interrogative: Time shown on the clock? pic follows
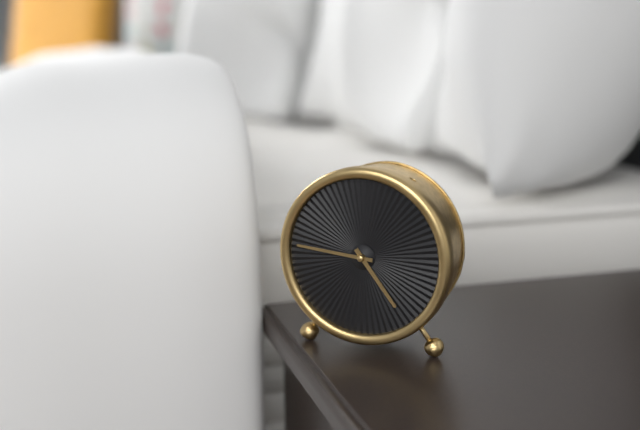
4:46
